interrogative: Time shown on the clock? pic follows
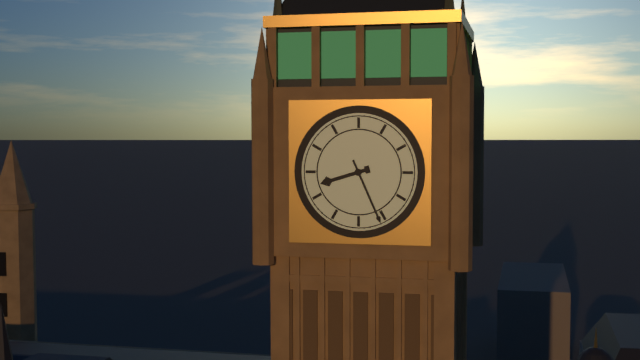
8:26
